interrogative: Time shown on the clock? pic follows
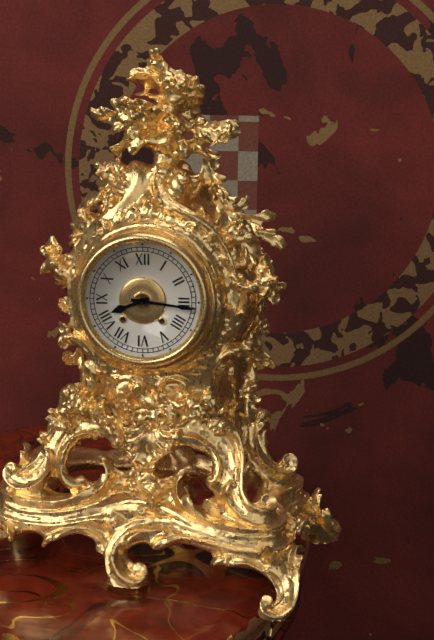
8:16
